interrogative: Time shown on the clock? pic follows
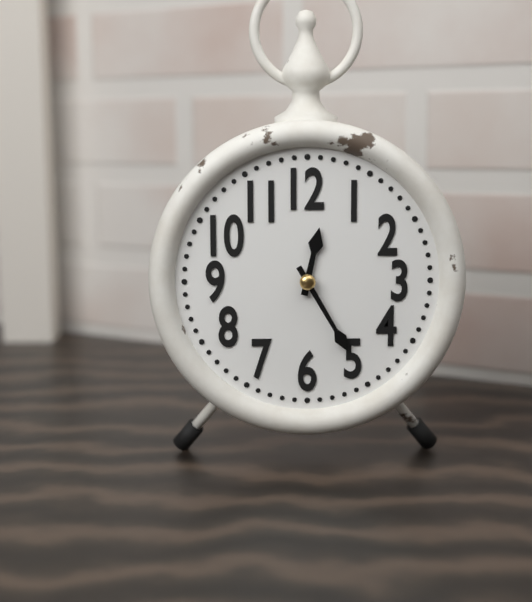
12:25
